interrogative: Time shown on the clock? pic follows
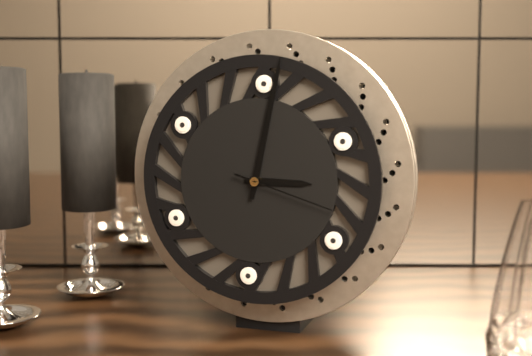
3:02:18
